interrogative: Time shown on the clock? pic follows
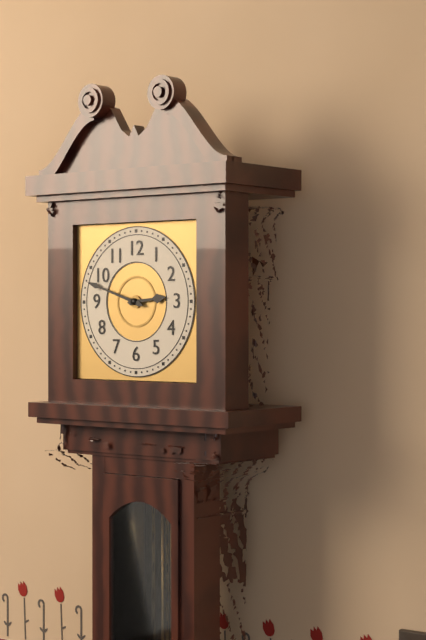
2:48
